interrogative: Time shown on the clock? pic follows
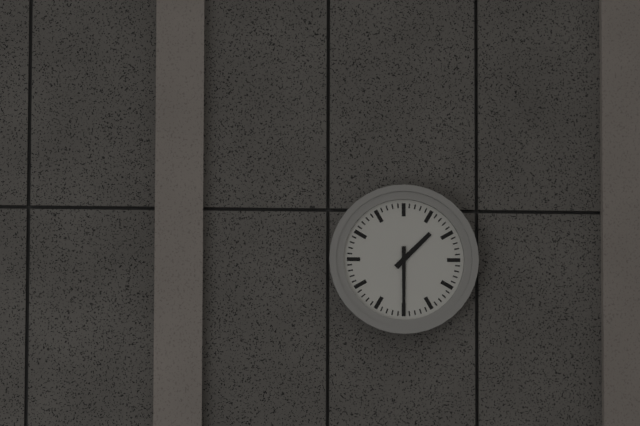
1:30
